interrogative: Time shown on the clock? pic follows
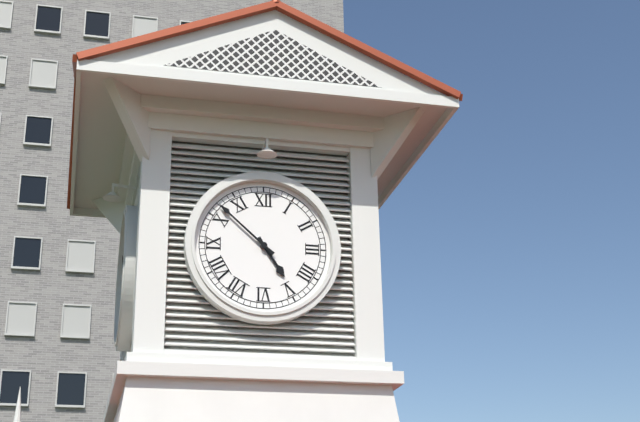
4:52
